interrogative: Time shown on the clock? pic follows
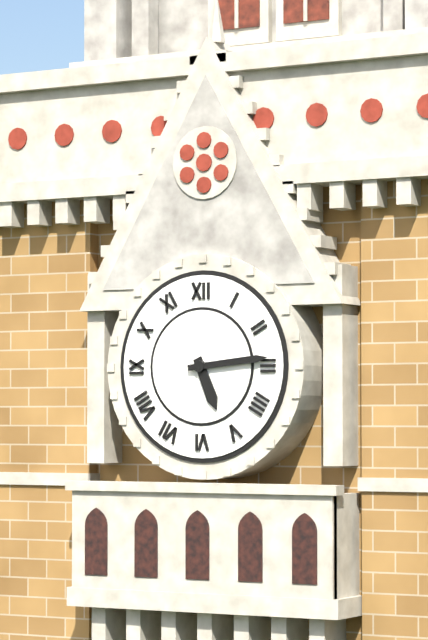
5:14
